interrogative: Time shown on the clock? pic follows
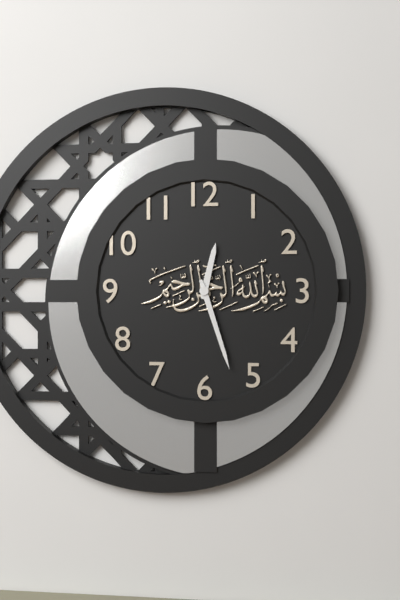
12:27
